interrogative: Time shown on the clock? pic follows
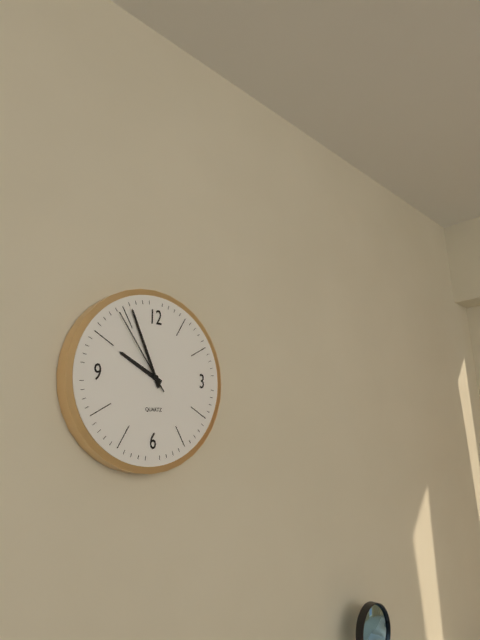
9:56:54
